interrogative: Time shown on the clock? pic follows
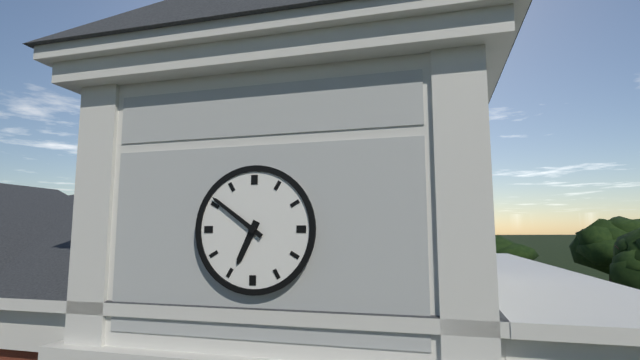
6:51
